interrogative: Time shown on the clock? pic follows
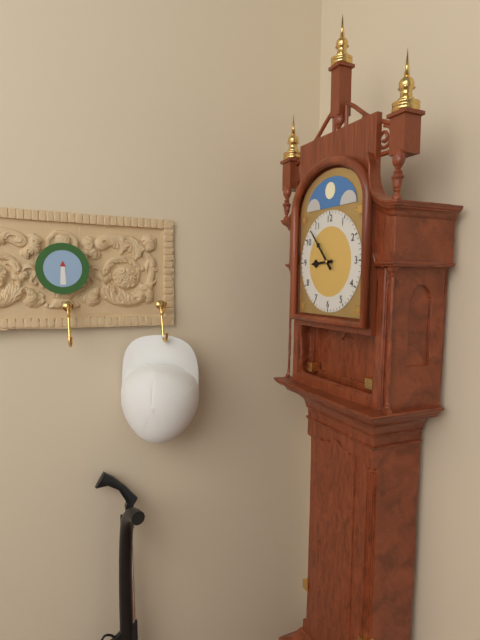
8:53
